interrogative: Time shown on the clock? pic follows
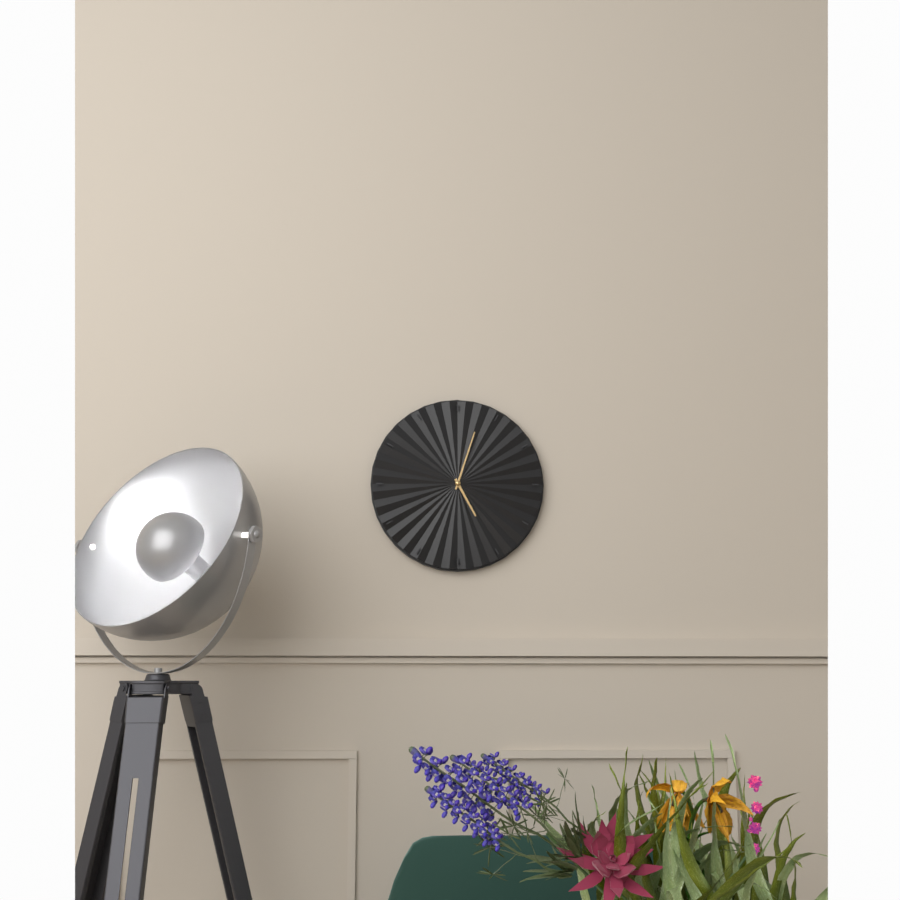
5:03
